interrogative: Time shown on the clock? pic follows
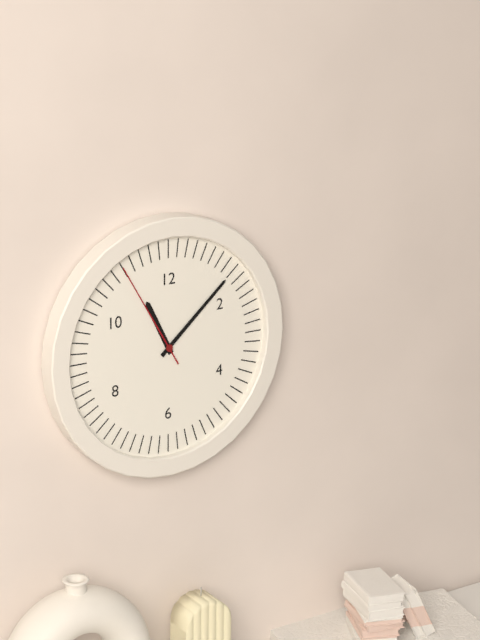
11:08:55
